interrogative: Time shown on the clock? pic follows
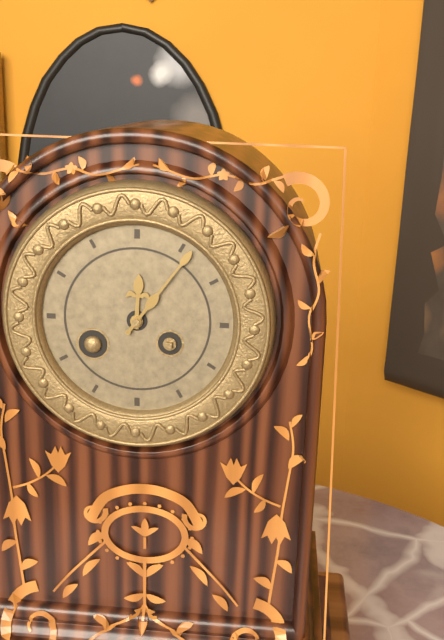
12:06
